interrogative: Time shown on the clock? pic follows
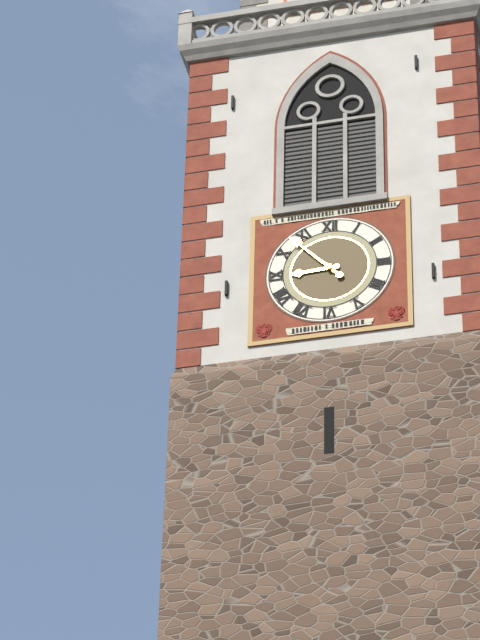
8:53
